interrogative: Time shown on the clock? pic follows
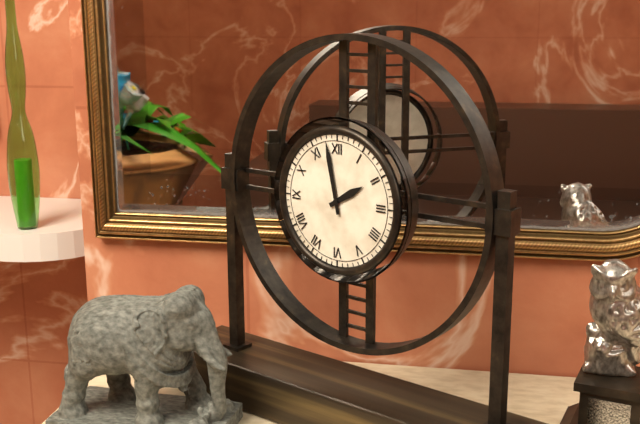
1:58
